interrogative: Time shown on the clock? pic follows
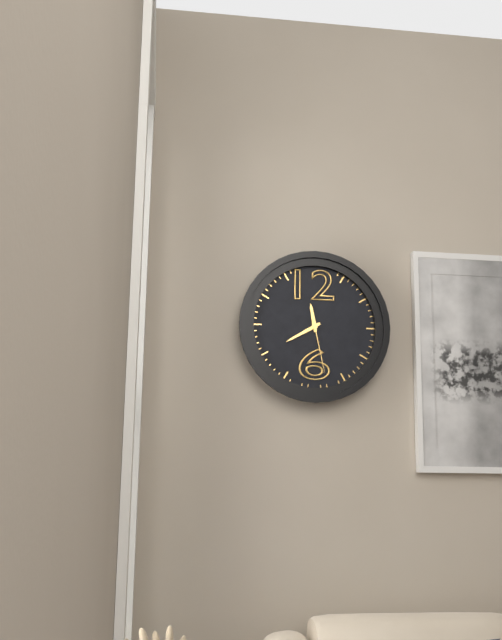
11:40:28
